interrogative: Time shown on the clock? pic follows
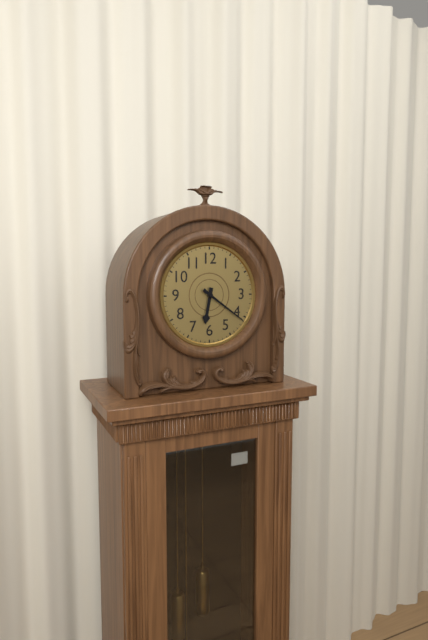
6:21
